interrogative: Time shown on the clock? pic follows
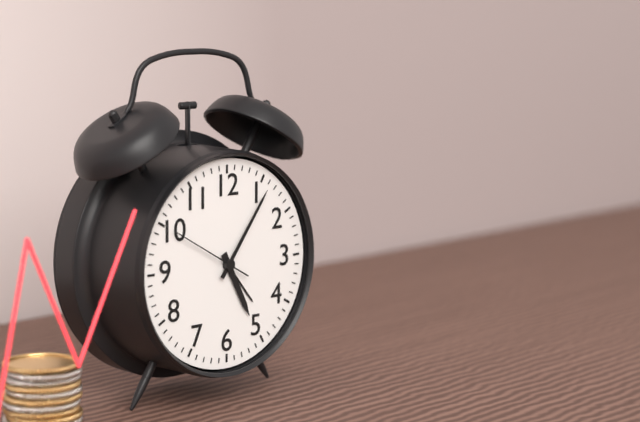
5:06:50
